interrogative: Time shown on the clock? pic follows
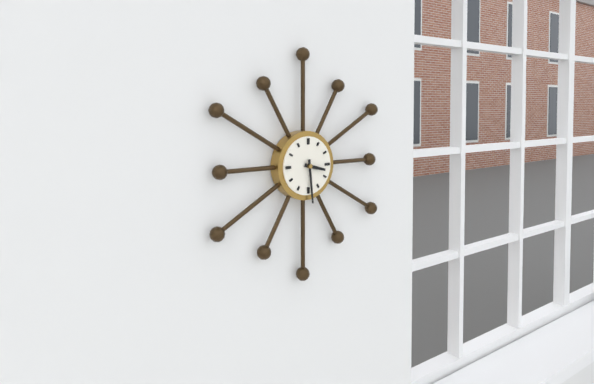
3:29
